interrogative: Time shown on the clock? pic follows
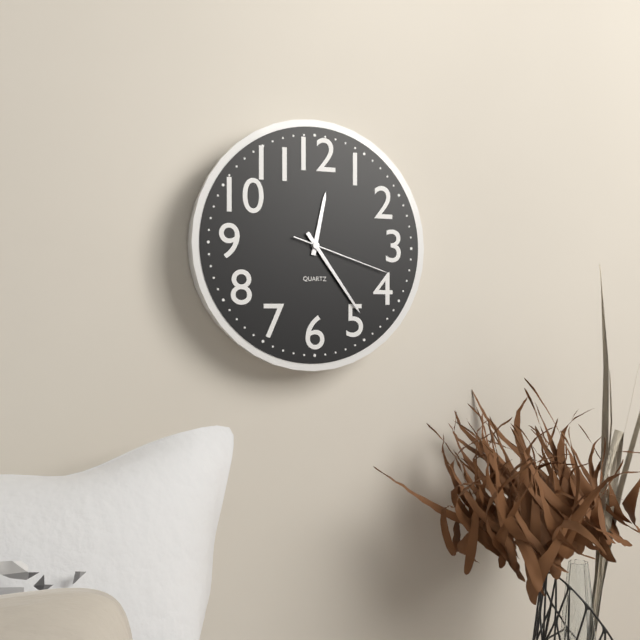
12:24:18
